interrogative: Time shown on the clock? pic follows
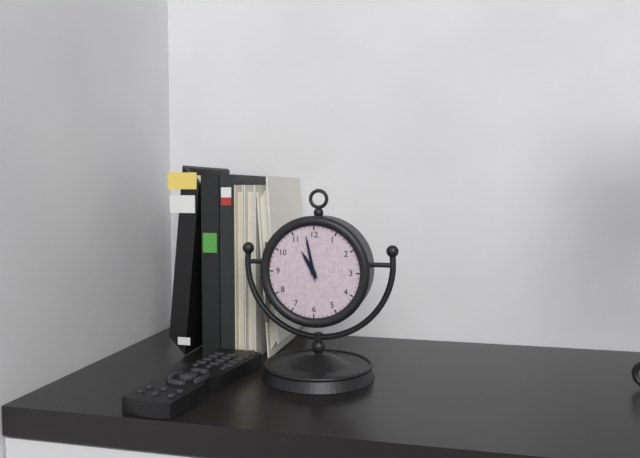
10:58
